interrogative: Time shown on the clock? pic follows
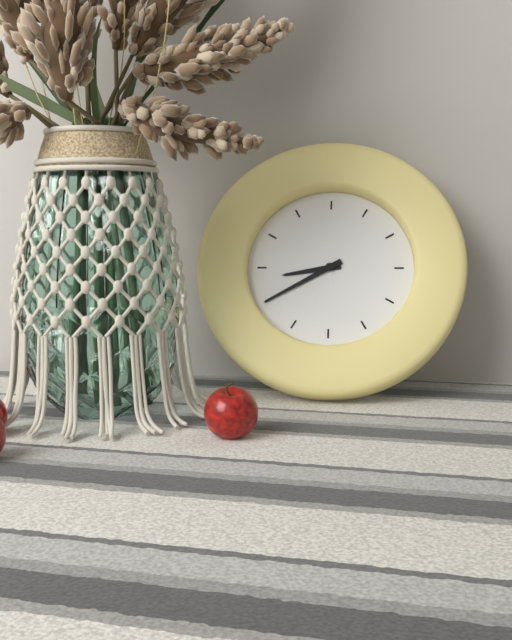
8:40
